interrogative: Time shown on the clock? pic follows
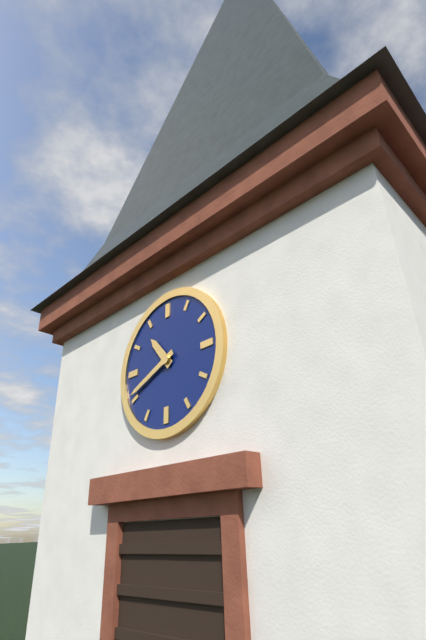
10:41
